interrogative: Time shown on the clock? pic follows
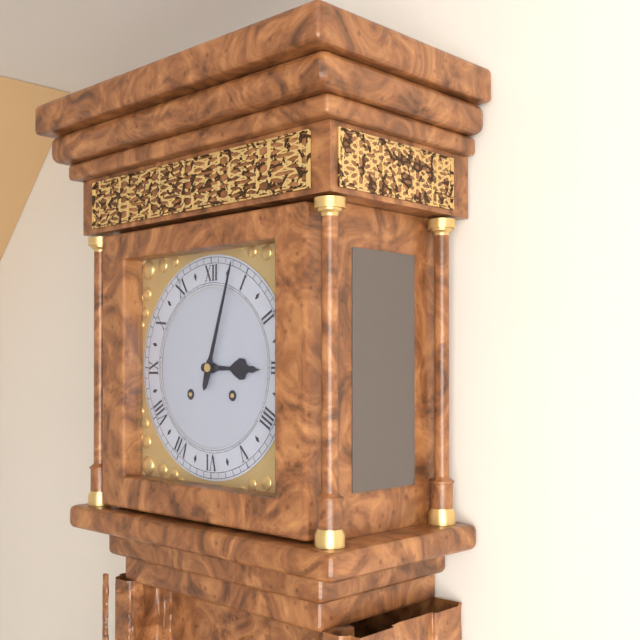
3:03
